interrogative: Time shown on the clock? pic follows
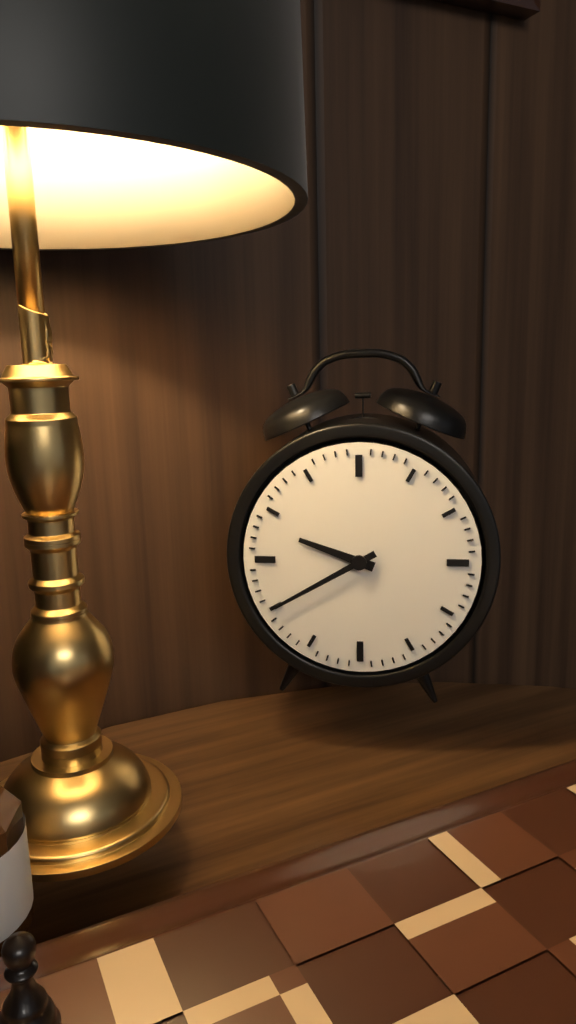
9:40
